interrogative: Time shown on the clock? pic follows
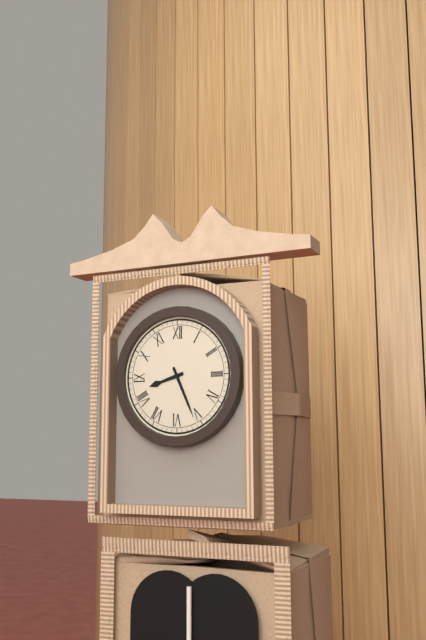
8:26
